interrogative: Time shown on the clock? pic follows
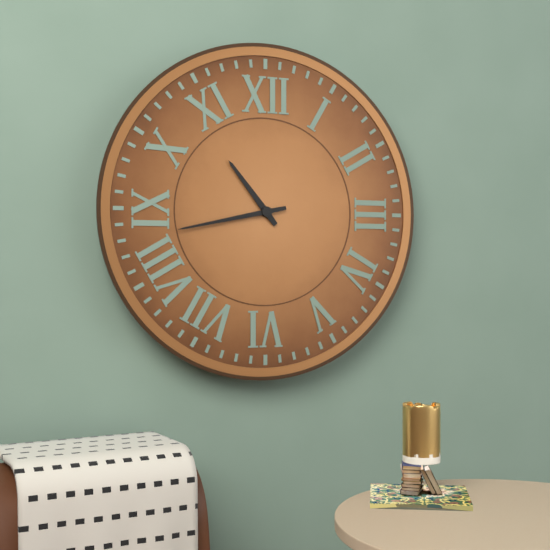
10:43
